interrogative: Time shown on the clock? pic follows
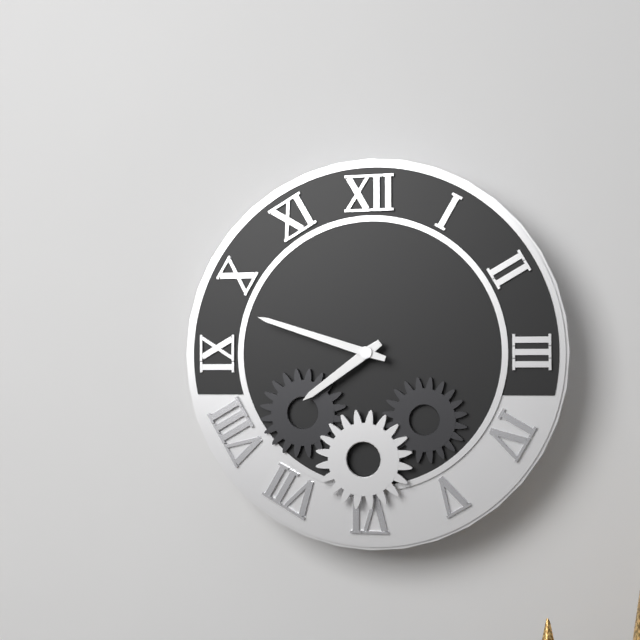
7:48
